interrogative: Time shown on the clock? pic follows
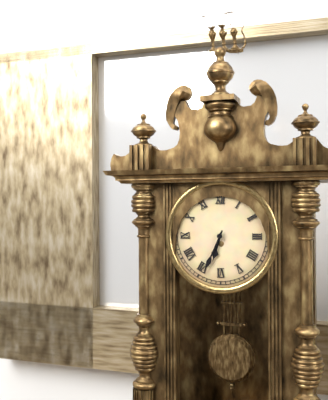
6:34
